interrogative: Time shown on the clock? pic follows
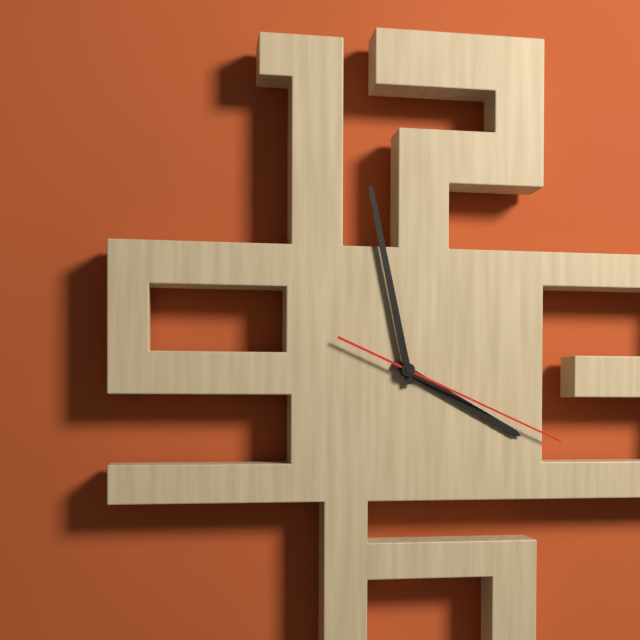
3:58:19
